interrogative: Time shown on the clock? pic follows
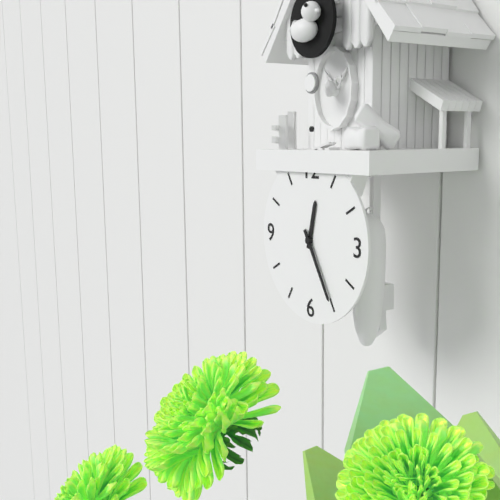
12:25
